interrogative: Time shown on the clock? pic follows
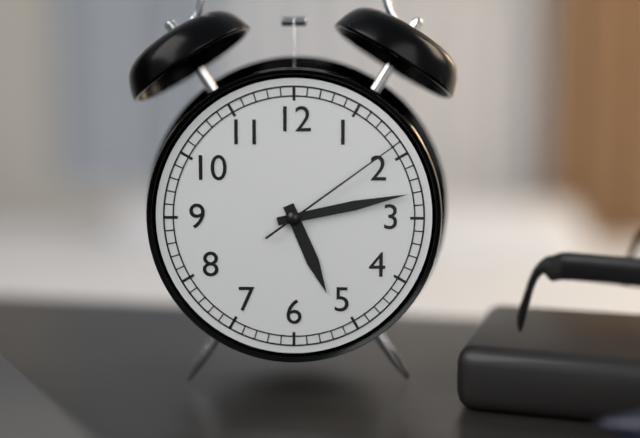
5:13:09
